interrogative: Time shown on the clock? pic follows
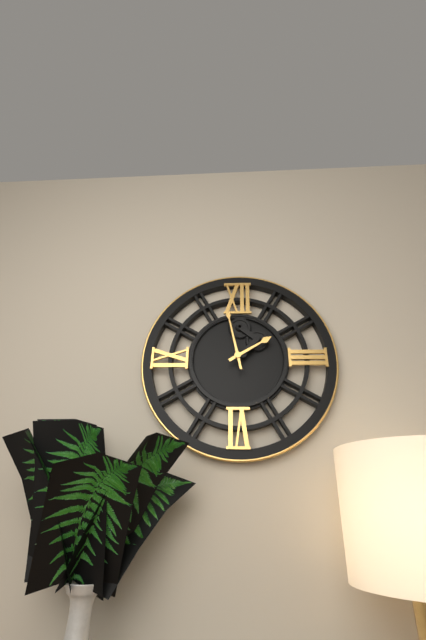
1:58
